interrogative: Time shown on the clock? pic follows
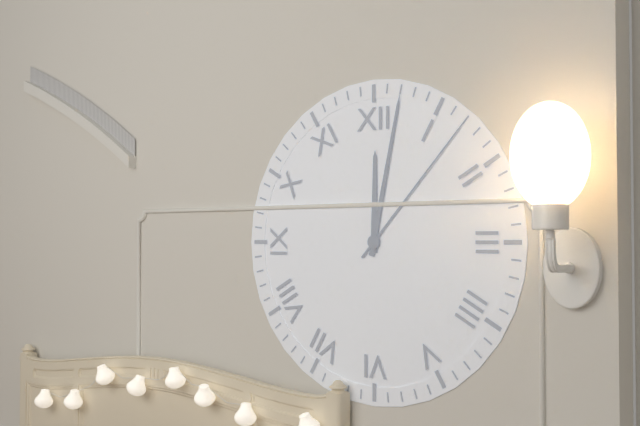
12:02:07
